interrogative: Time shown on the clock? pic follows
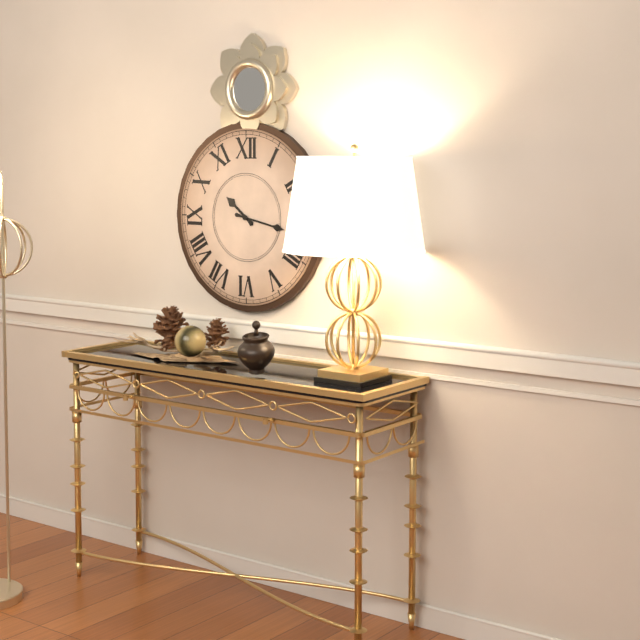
10:17
